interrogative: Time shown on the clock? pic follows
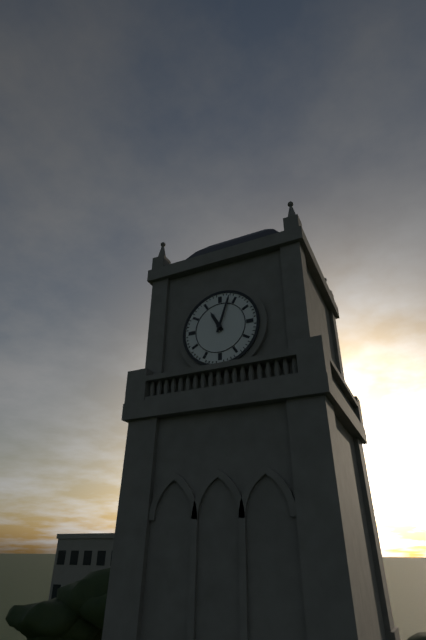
11:03
